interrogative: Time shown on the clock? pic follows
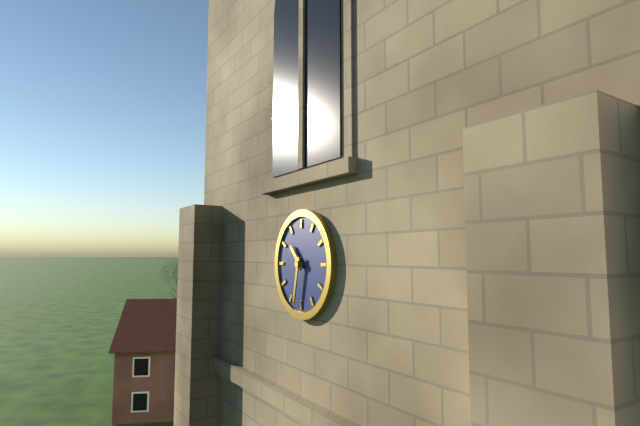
10:32
